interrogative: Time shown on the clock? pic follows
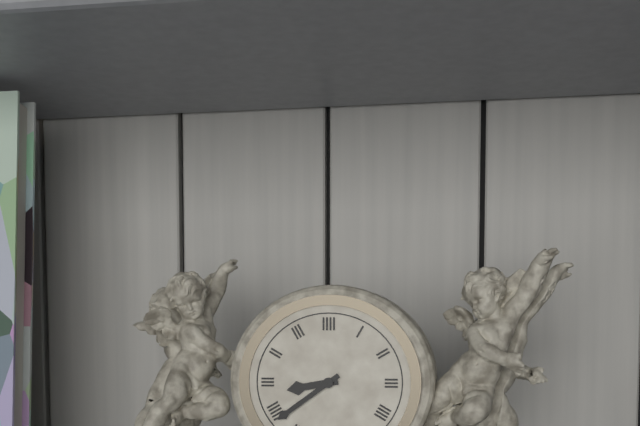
8:39
